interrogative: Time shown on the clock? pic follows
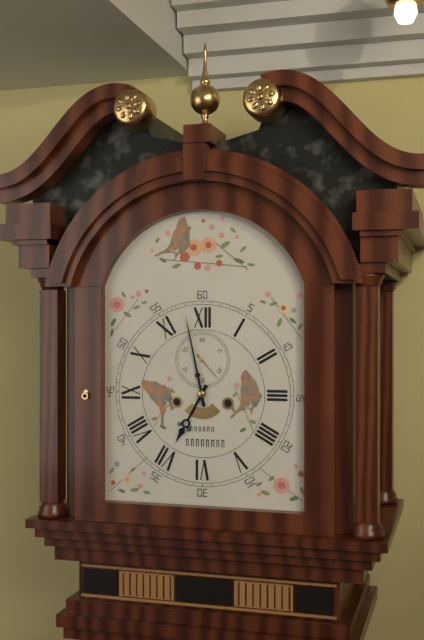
6:58
